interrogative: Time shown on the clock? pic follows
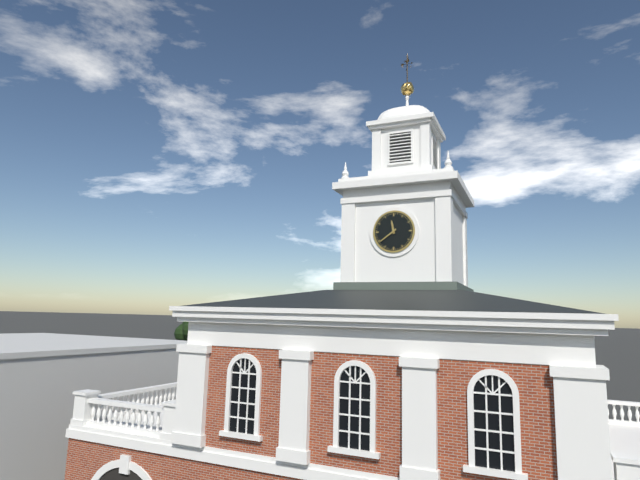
11:39
